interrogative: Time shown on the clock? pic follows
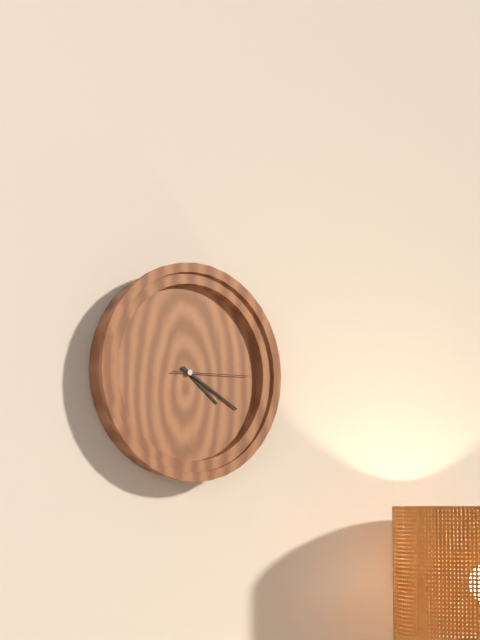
4:20:15
